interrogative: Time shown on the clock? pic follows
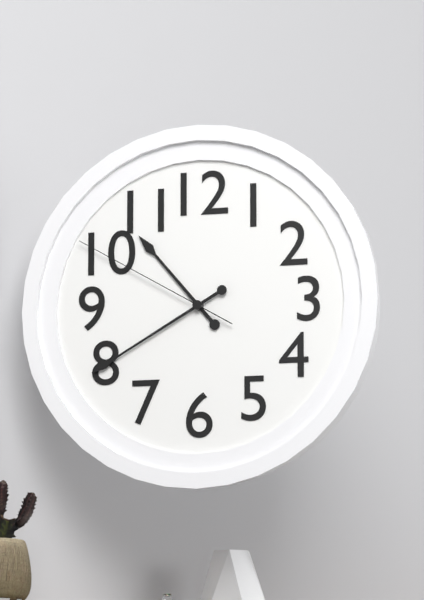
10:40:50
